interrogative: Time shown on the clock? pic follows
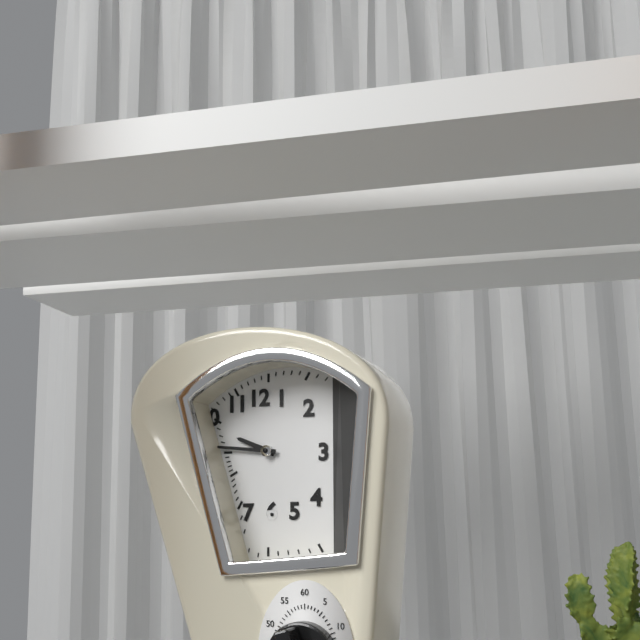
9:46
